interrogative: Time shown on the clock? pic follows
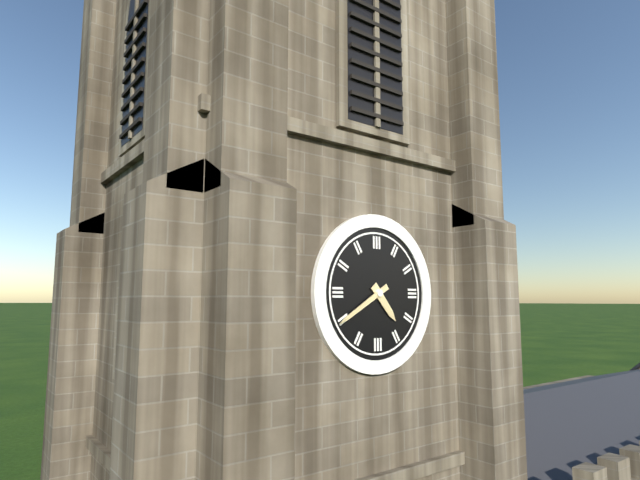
4:40
